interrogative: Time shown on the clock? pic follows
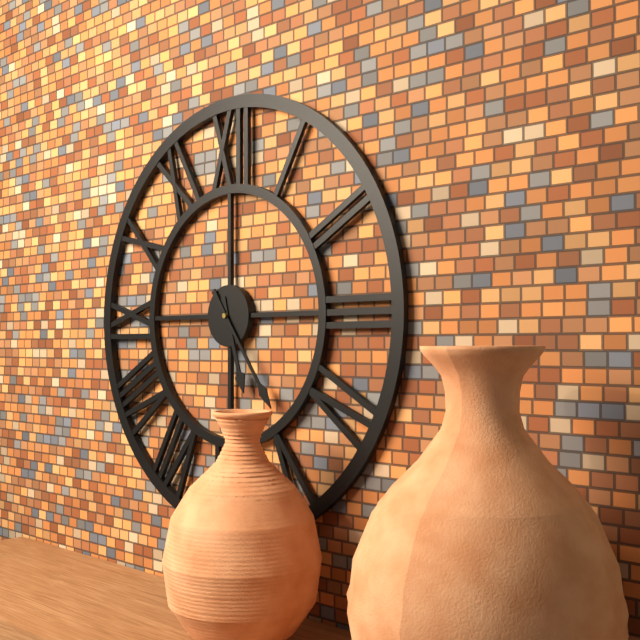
5:24
